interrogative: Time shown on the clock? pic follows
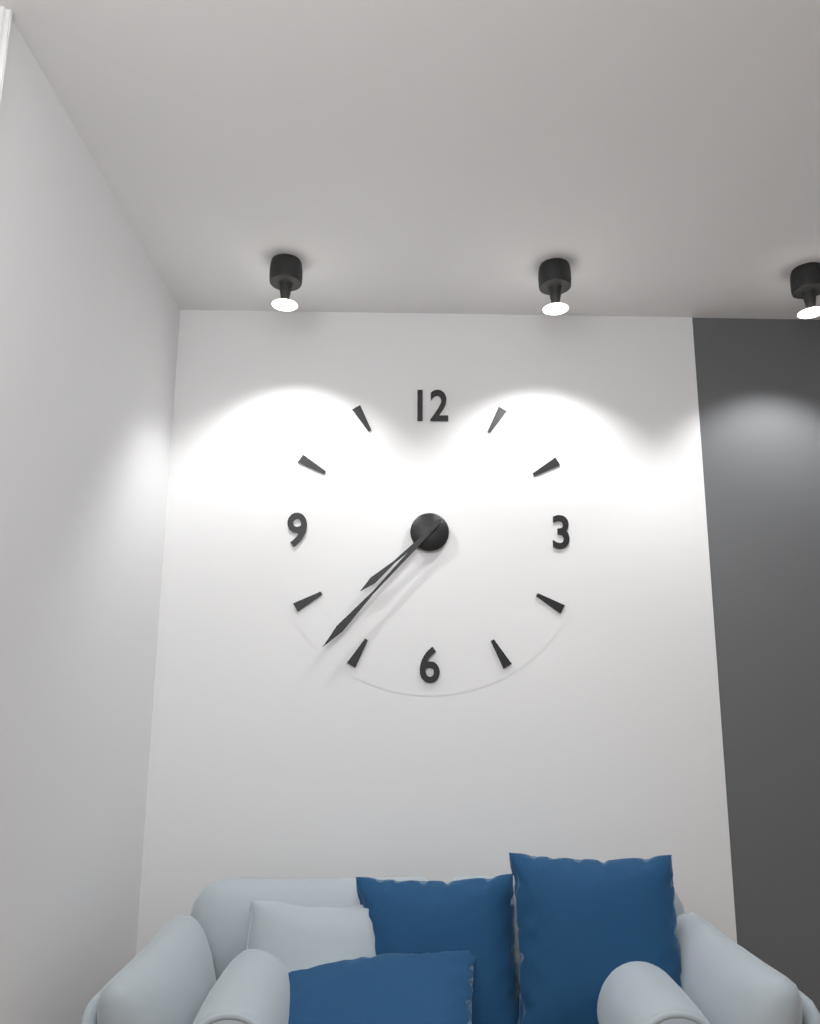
7:37
